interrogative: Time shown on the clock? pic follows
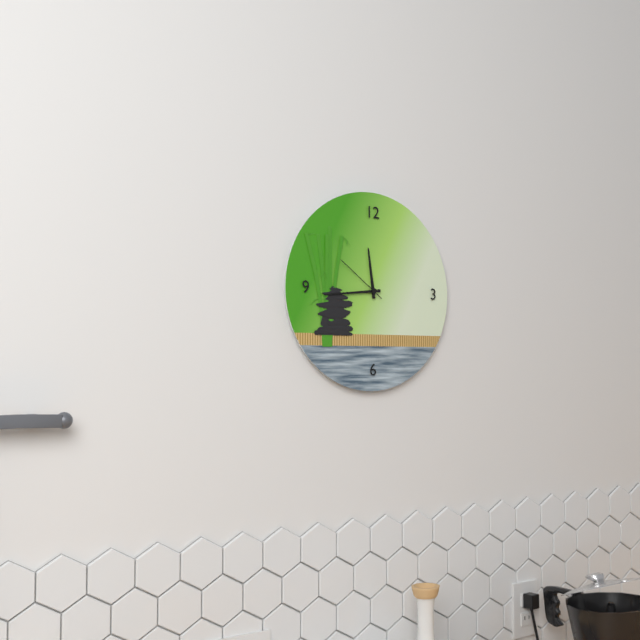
11:44:51
